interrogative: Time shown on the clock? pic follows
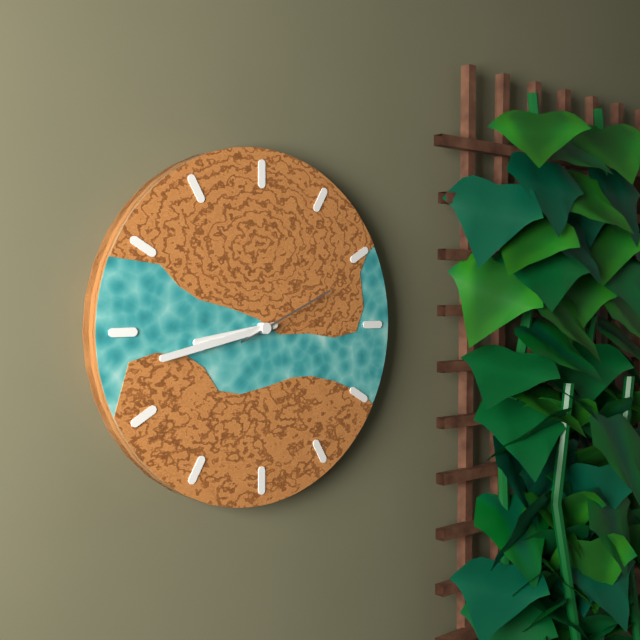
8:43:11
